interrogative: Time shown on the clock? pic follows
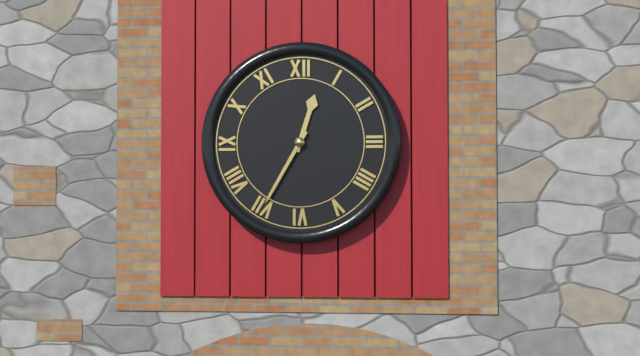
12:35
